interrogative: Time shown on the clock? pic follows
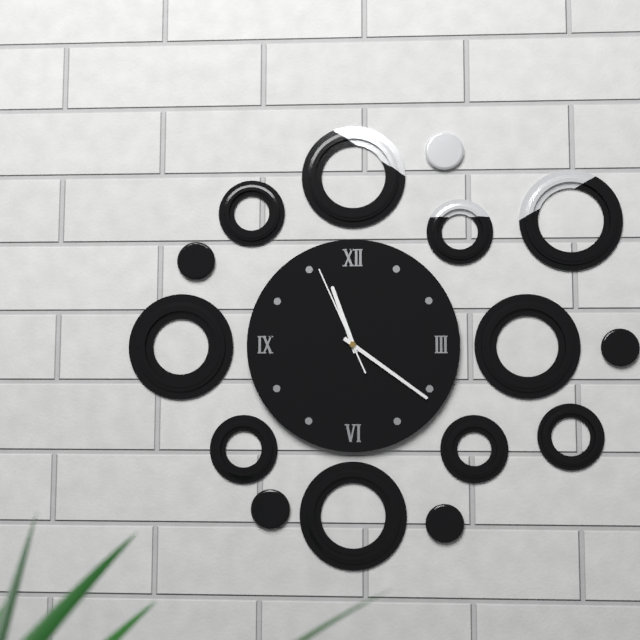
11:21:56
